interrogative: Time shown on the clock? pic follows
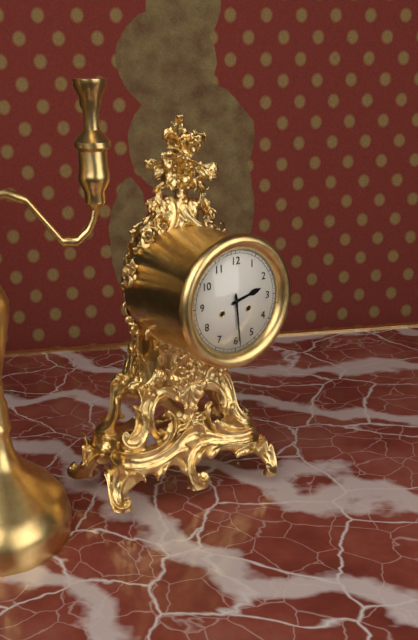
2:29
